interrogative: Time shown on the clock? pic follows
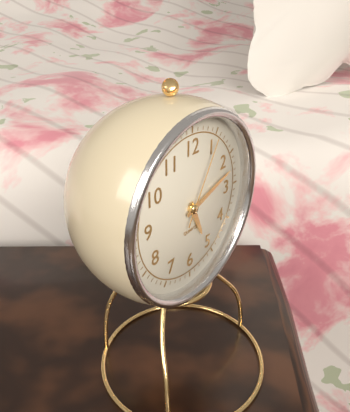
5:12:05
